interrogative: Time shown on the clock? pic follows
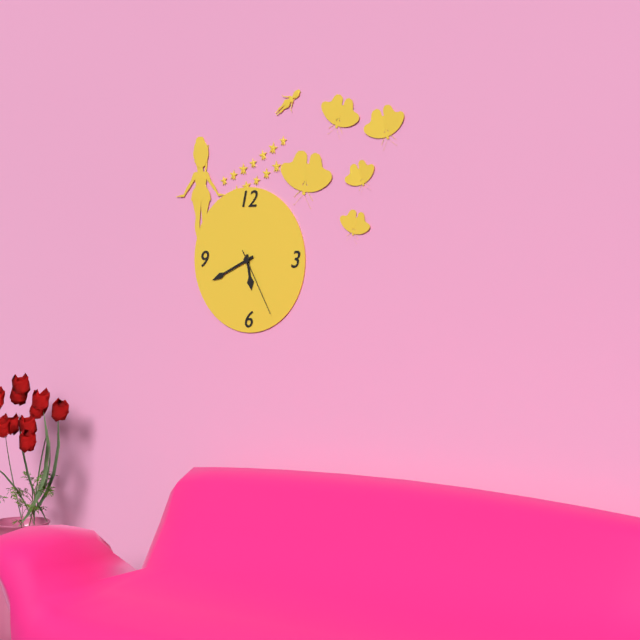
5:41:25
